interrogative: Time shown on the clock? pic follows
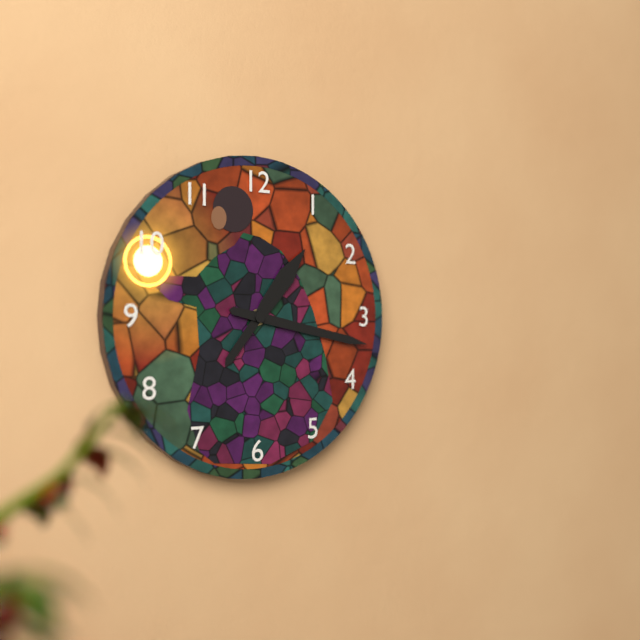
1:17
